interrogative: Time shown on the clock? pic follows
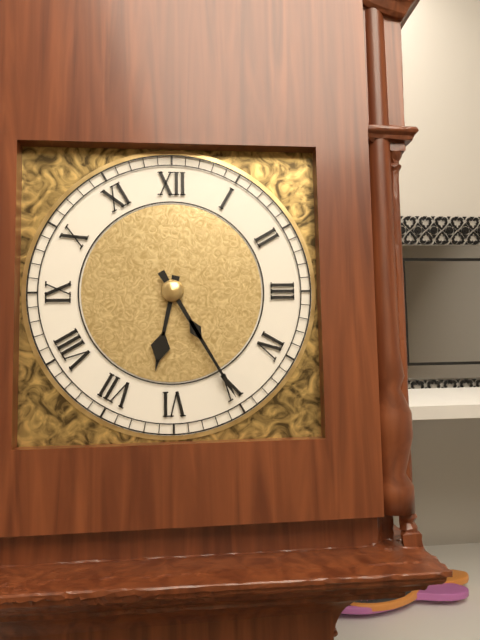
6:25
